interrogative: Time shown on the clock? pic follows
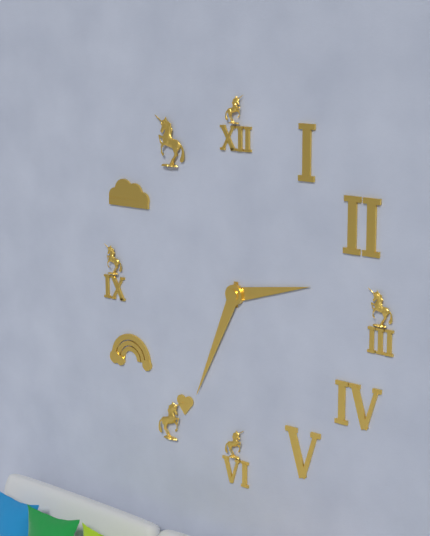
2:34
